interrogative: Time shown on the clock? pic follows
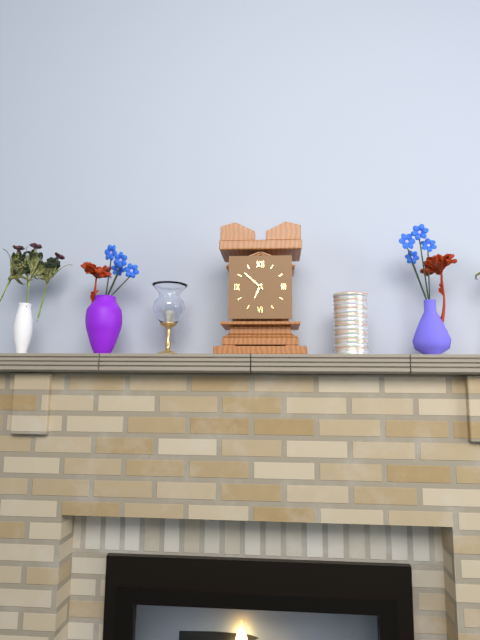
6:52
